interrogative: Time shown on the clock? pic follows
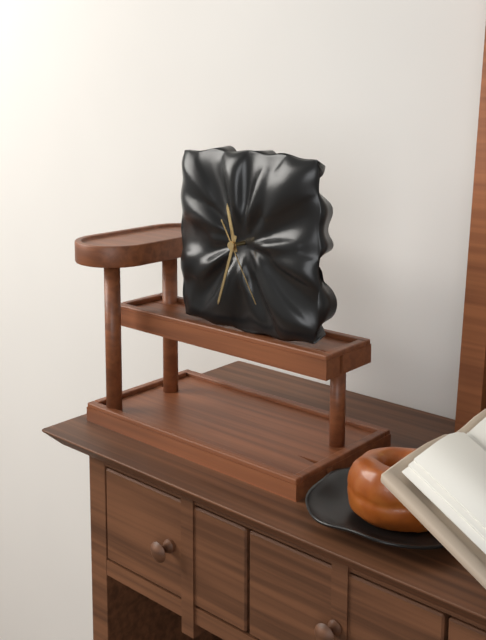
11:33:25
